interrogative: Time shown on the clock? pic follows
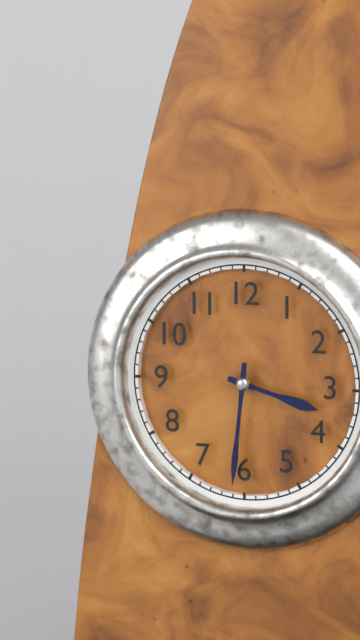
3:31
